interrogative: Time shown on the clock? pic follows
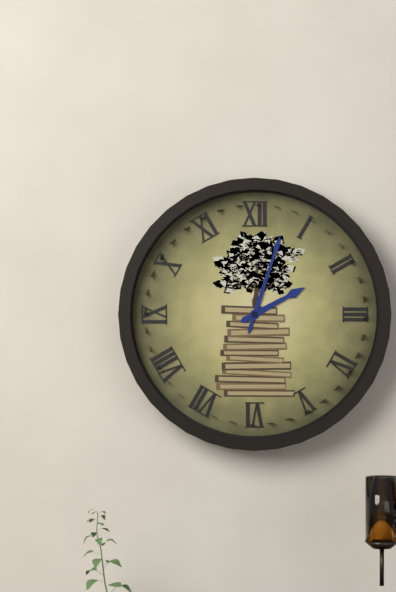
2:03
